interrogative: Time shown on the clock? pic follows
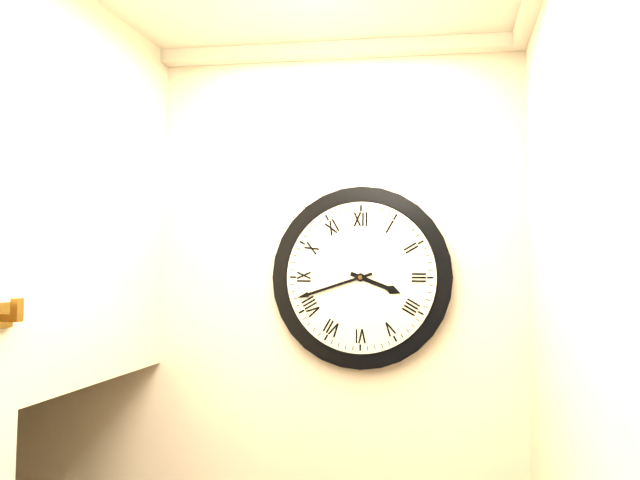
3:42
